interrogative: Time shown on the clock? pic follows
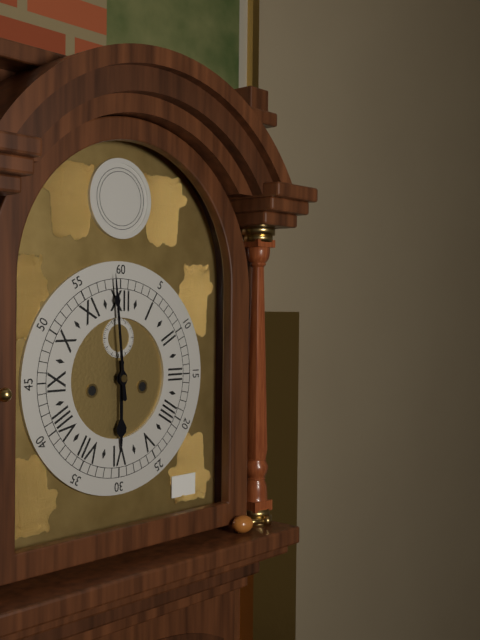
5:59
